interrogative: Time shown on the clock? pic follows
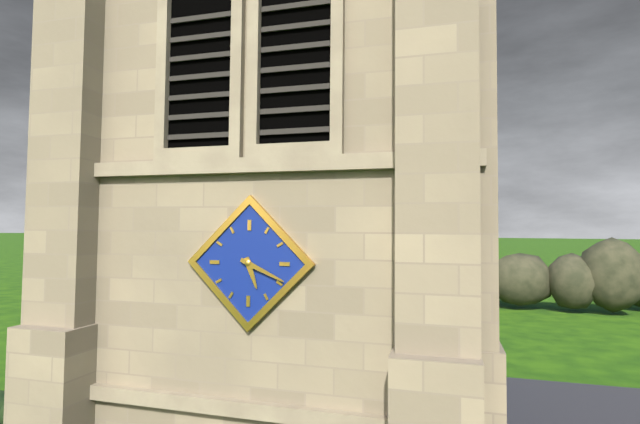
5:19
